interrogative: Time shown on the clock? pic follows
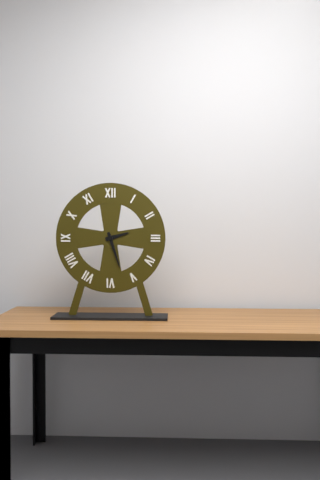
2:27
